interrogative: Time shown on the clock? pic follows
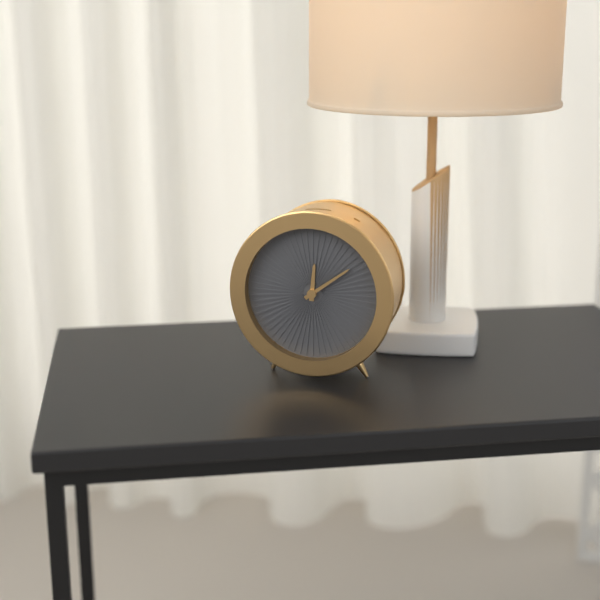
12:09
